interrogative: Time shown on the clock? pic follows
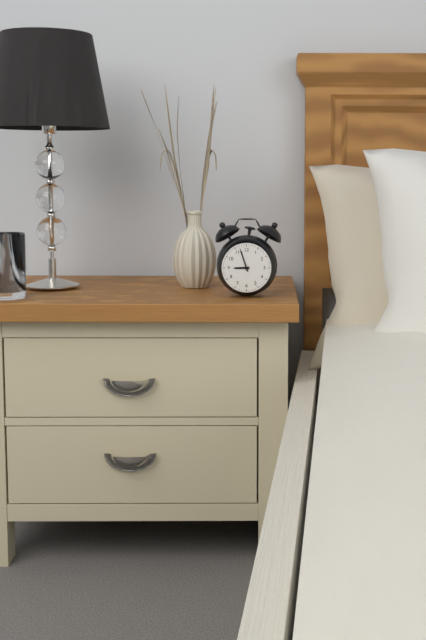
8:57
